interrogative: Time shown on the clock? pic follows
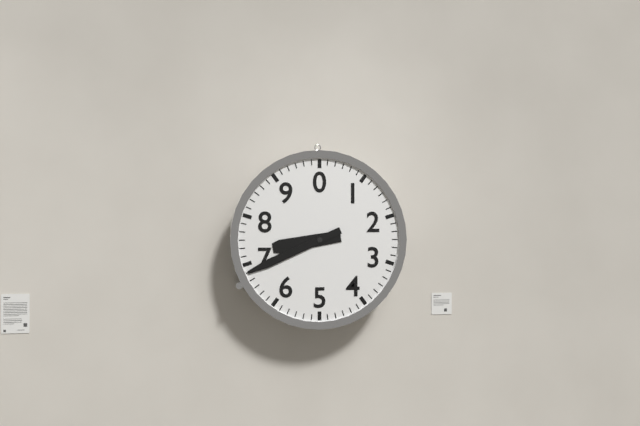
8:41
